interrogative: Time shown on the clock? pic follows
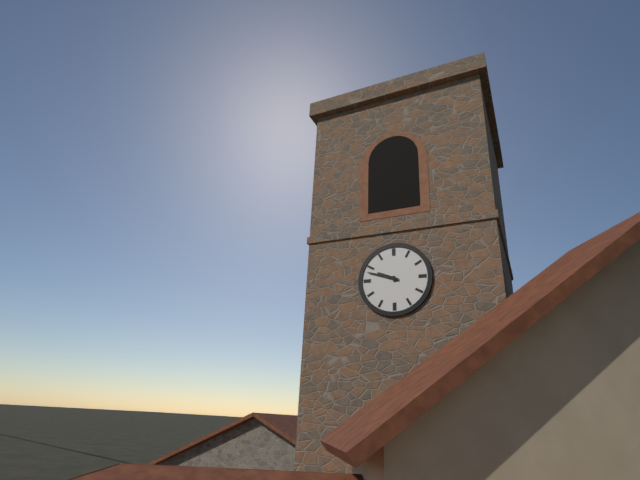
9:48
